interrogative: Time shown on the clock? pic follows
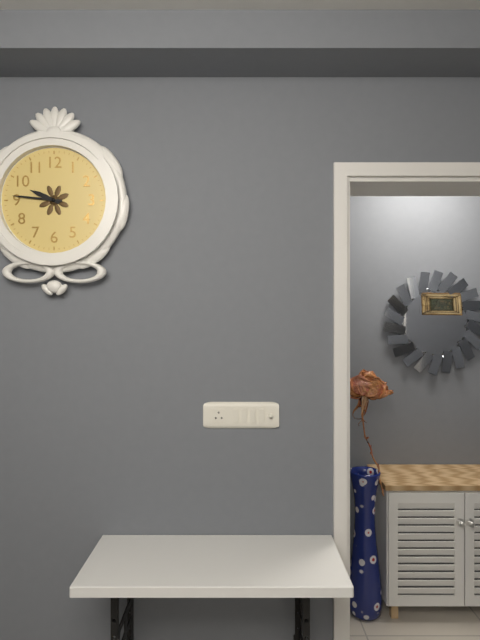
9:46
